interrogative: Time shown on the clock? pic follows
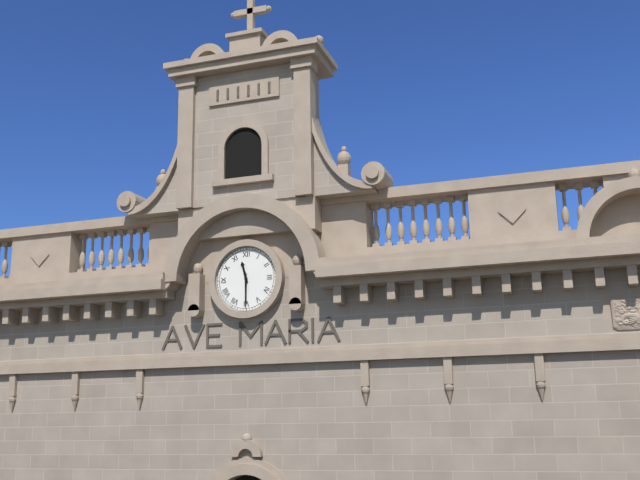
11:30
